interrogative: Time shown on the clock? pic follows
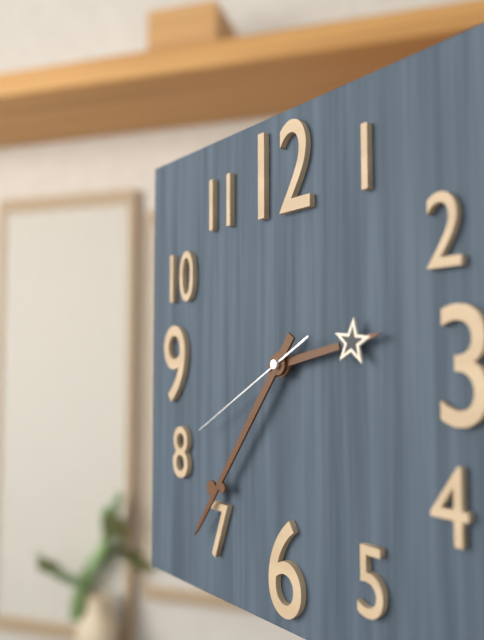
2:36:40
